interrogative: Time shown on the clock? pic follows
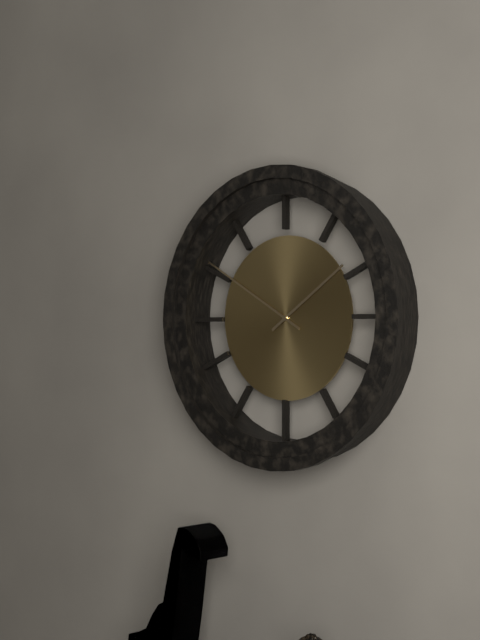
1:50
